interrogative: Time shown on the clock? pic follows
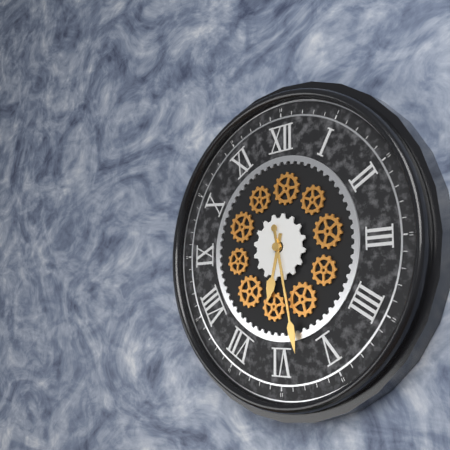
6:28
